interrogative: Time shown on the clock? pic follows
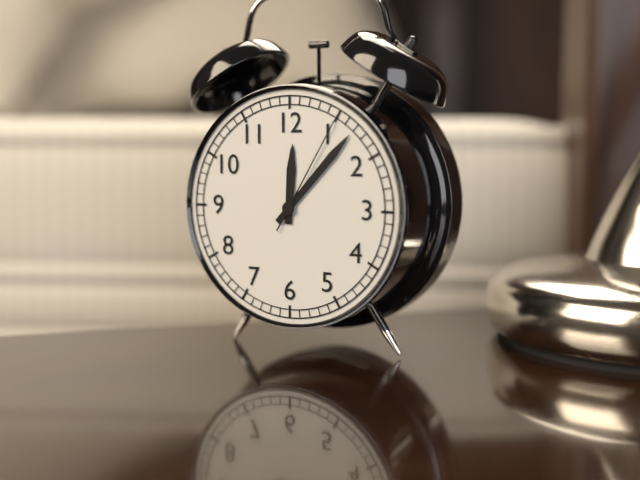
12:07:05
